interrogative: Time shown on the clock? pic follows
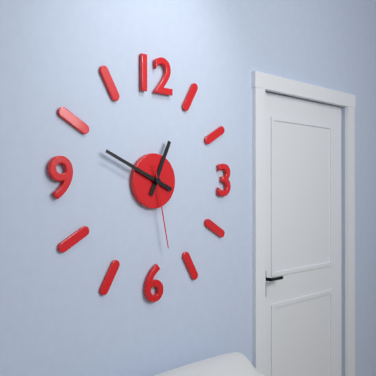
12:49:28
